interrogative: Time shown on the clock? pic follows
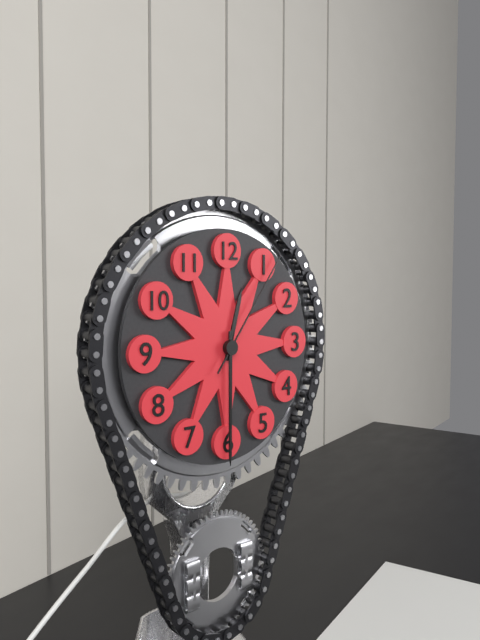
12:30:06
